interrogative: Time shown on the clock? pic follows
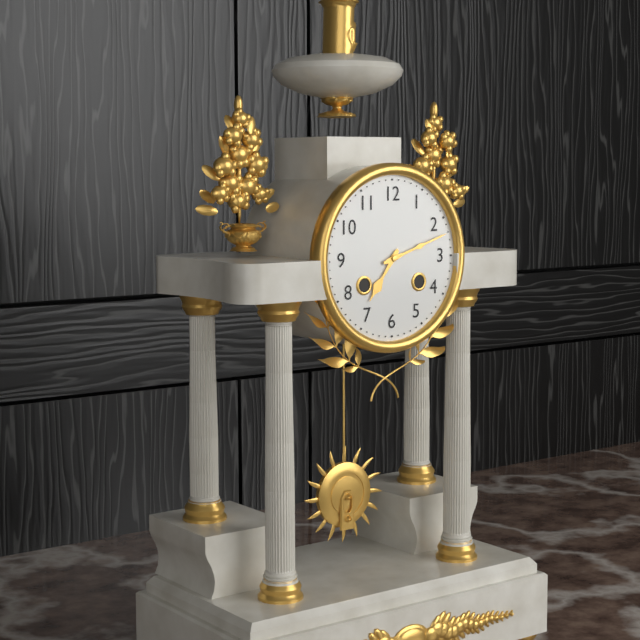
7:12
